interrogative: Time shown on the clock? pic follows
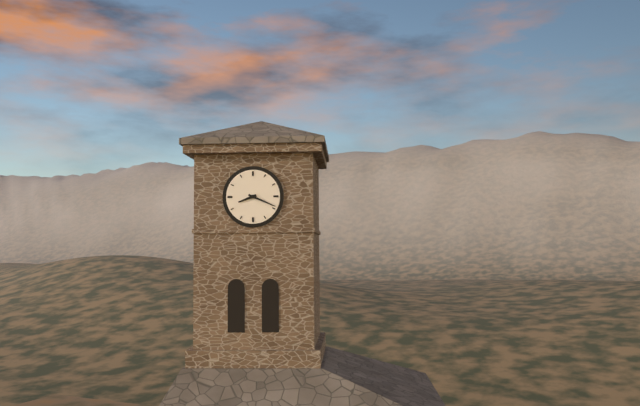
8:19
